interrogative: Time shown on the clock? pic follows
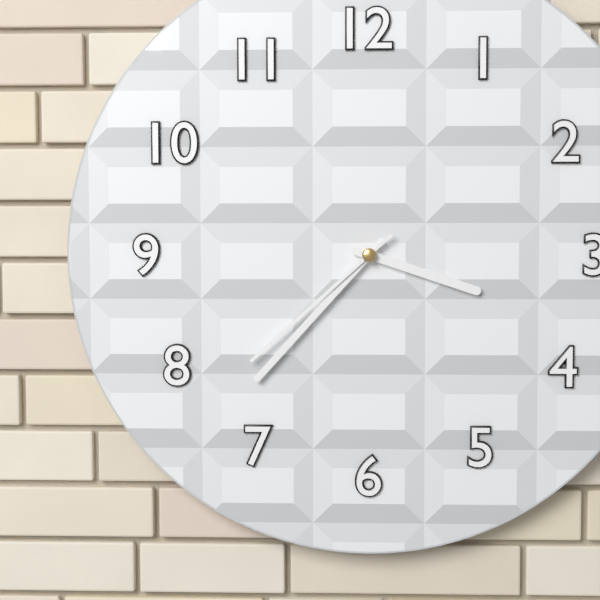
3:37:38
